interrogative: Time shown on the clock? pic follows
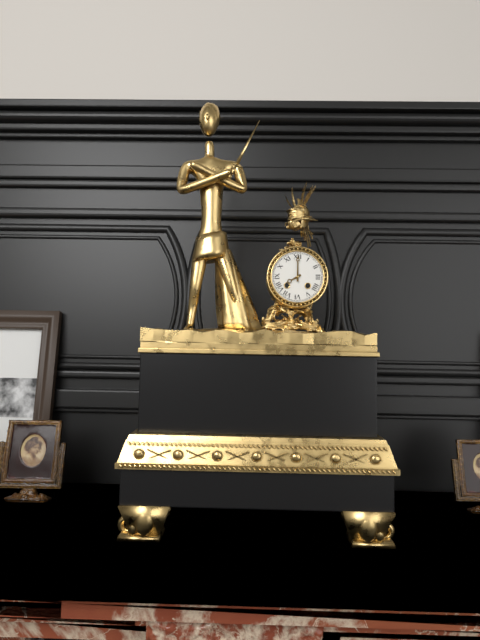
8:00
